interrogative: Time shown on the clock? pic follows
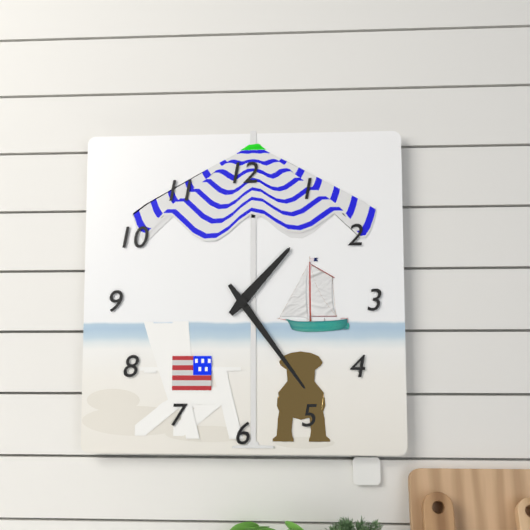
1:24
